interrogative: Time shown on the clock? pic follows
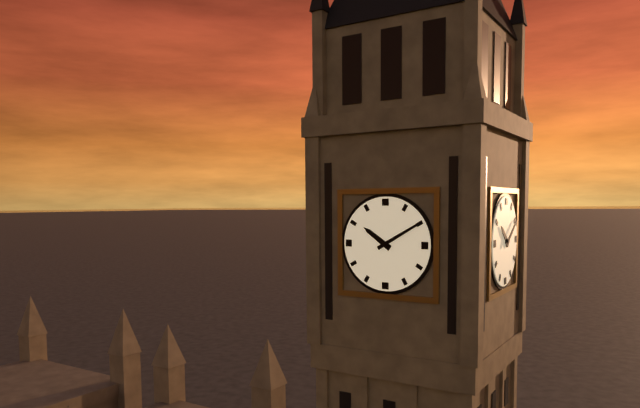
10:10
